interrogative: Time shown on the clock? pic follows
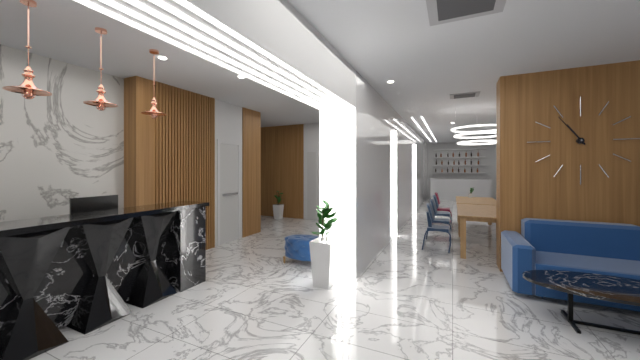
10:54
